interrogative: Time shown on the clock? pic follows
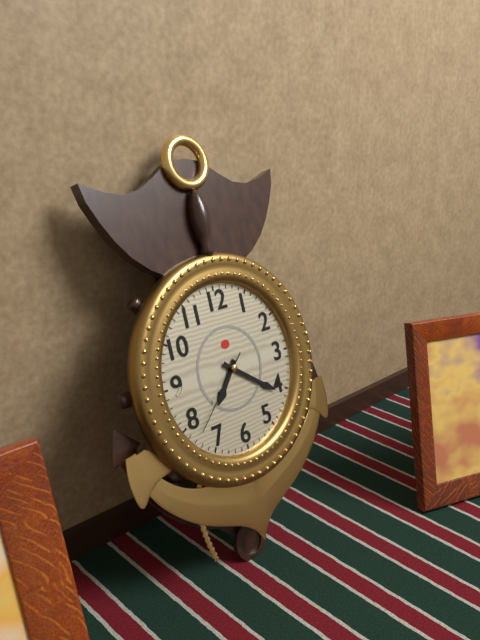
7:21:38
